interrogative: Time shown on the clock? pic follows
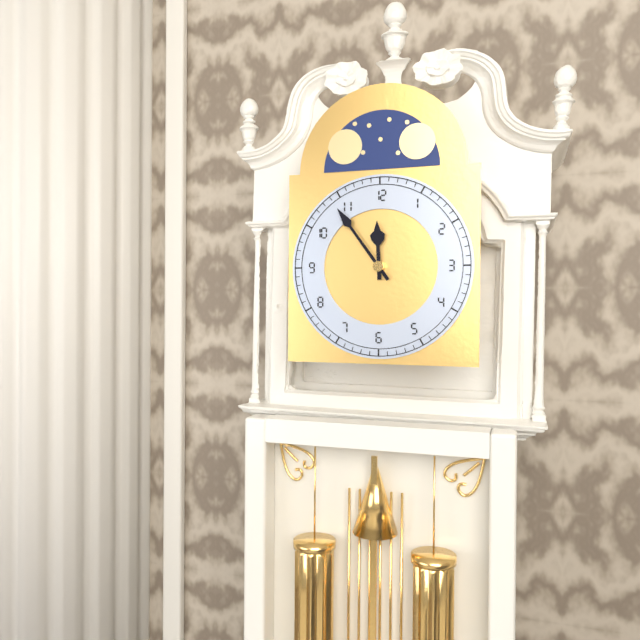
11:54
